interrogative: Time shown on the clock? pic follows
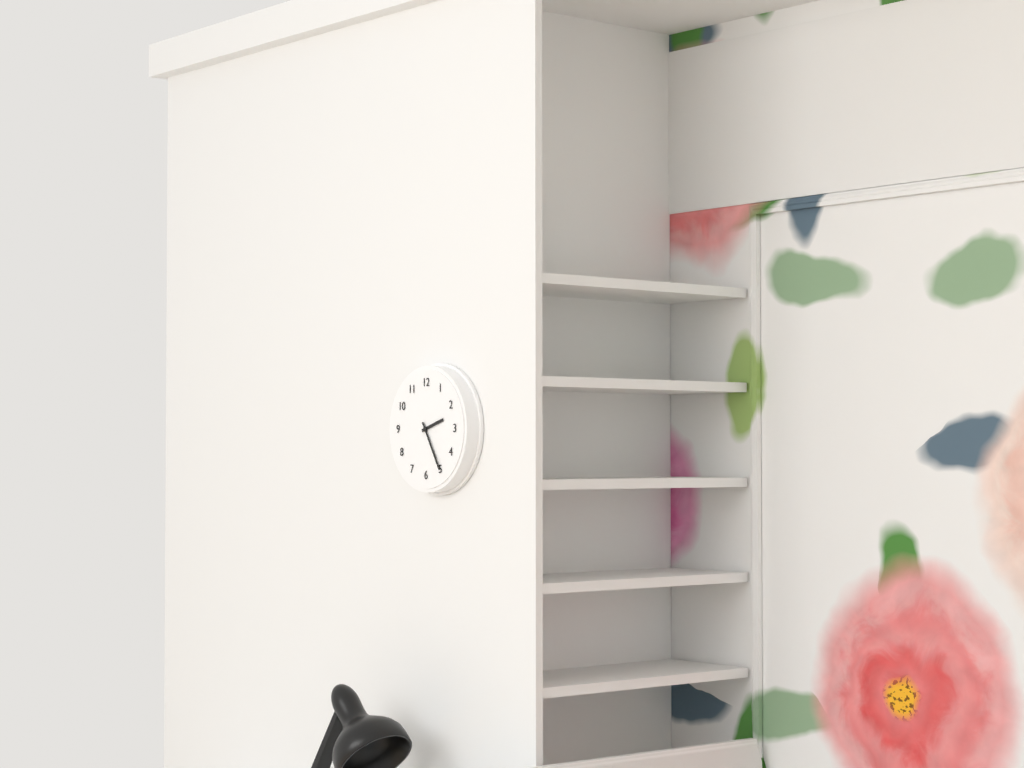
2:25
